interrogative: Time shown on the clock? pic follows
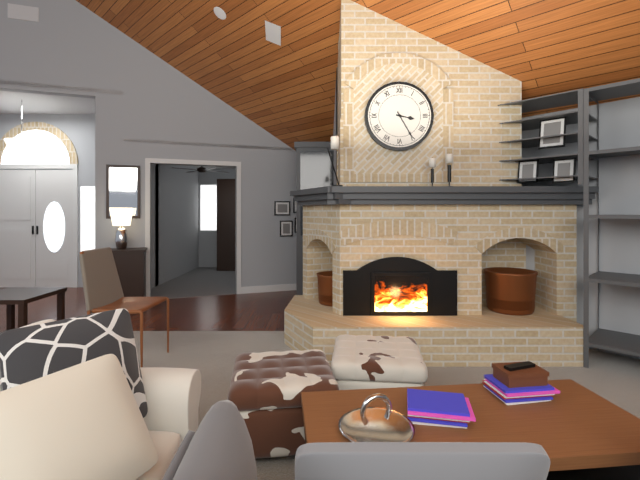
3:25
